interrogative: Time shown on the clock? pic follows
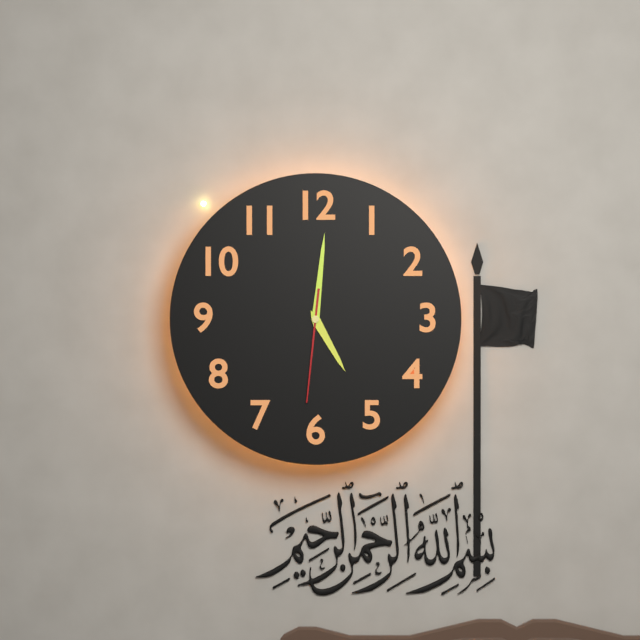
5:01:31
